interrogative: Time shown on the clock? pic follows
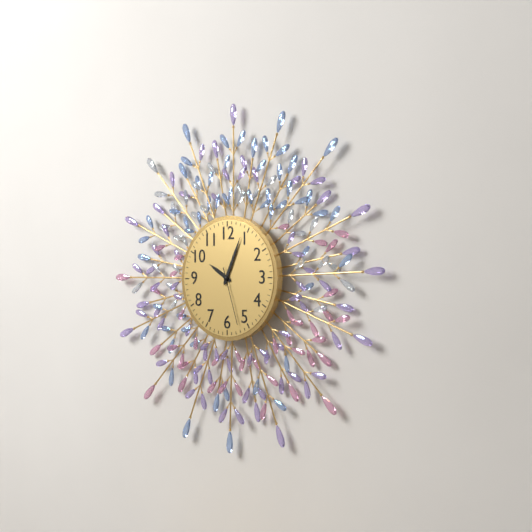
10:04:27
